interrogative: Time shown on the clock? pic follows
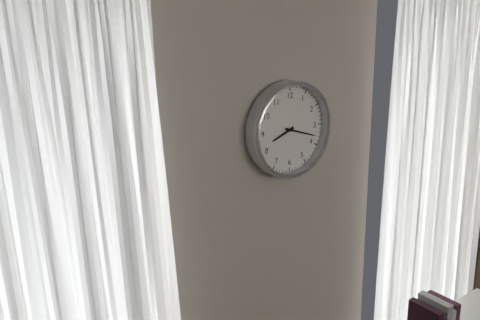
8:18
